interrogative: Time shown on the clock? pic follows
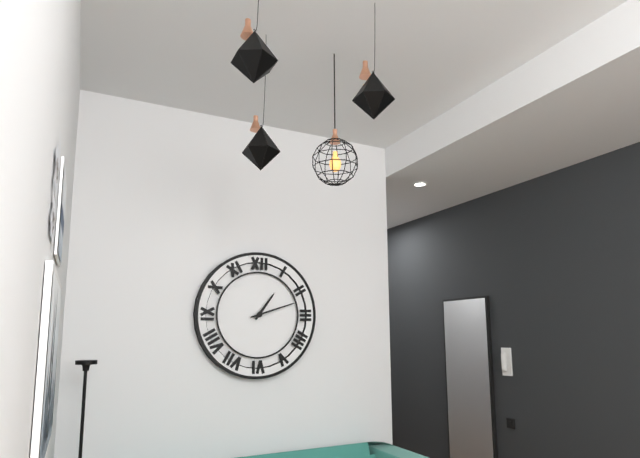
1:12
